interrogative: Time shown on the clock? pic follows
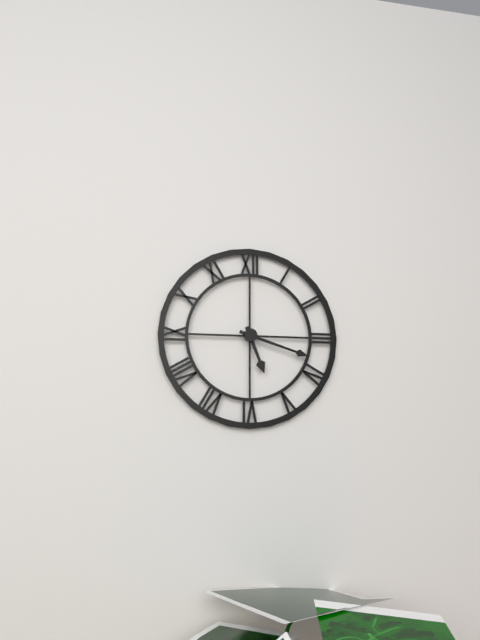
5:18
